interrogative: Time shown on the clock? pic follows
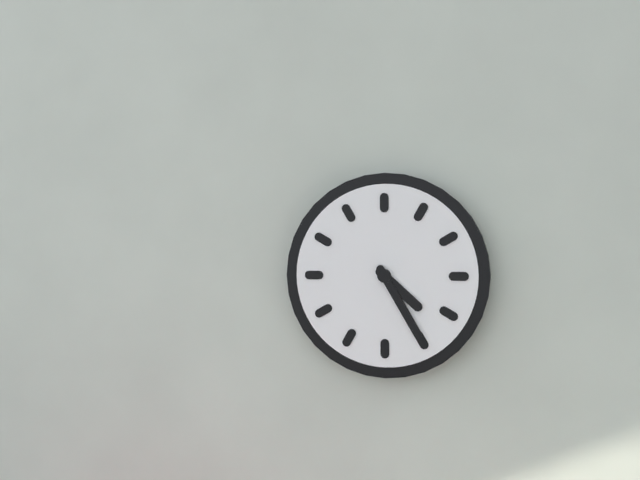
4:25
